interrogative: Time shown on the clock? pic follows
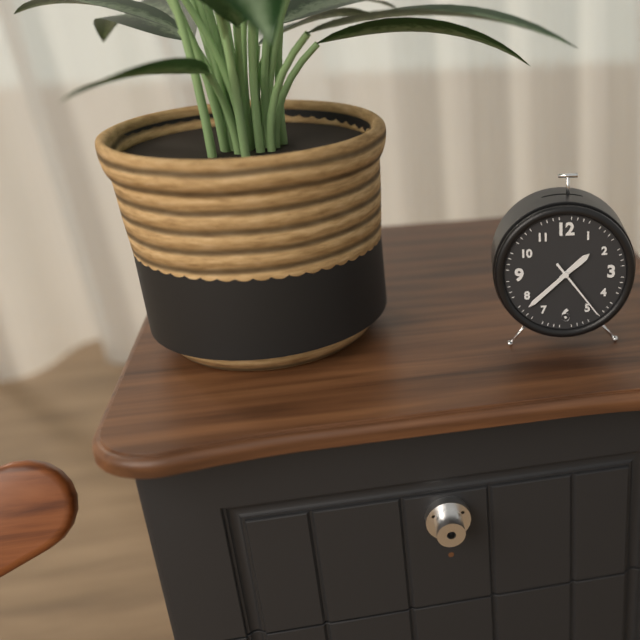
1:38:24
